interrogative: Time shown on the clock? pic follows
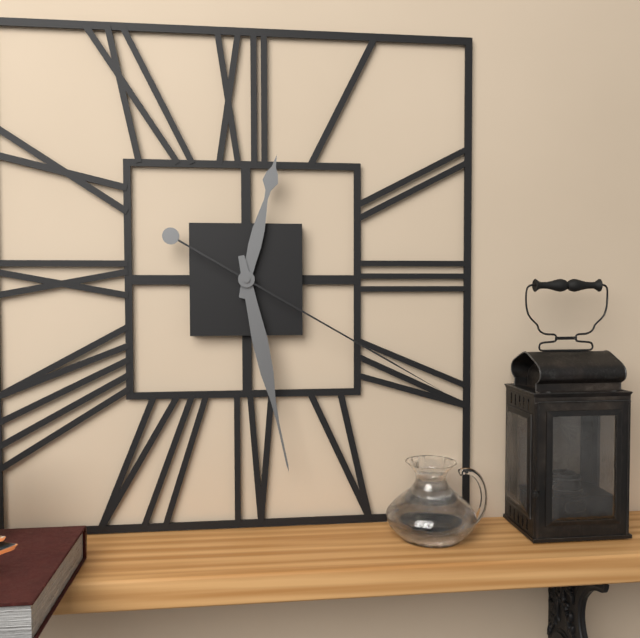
12:28:20
